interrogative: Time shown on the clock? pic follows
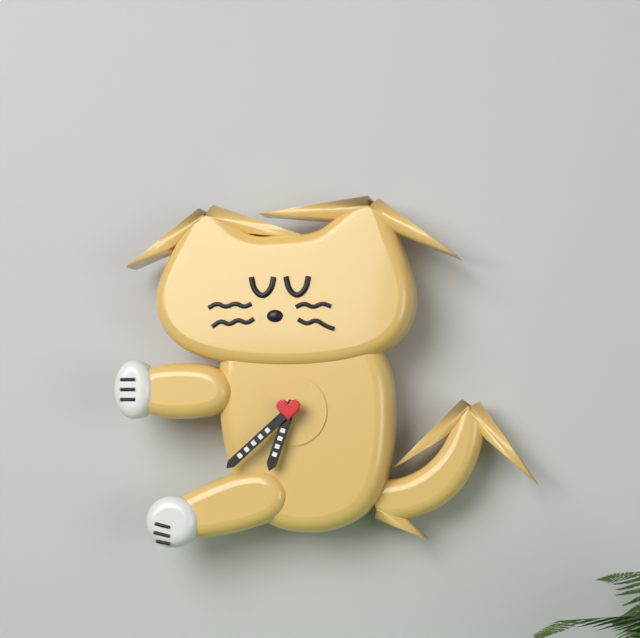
6:38
